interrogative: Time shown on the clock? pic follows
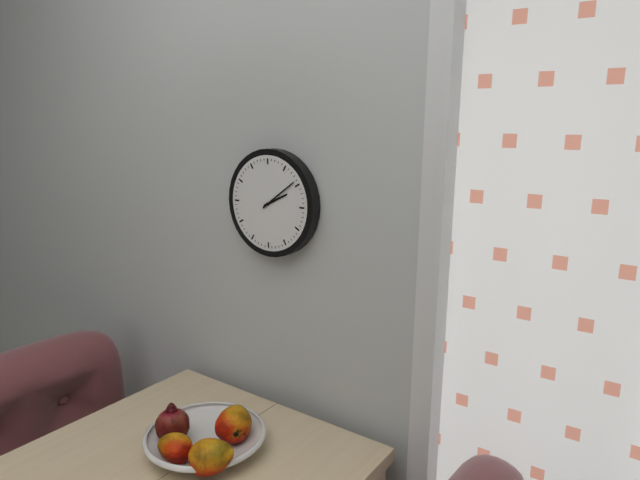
2:09
